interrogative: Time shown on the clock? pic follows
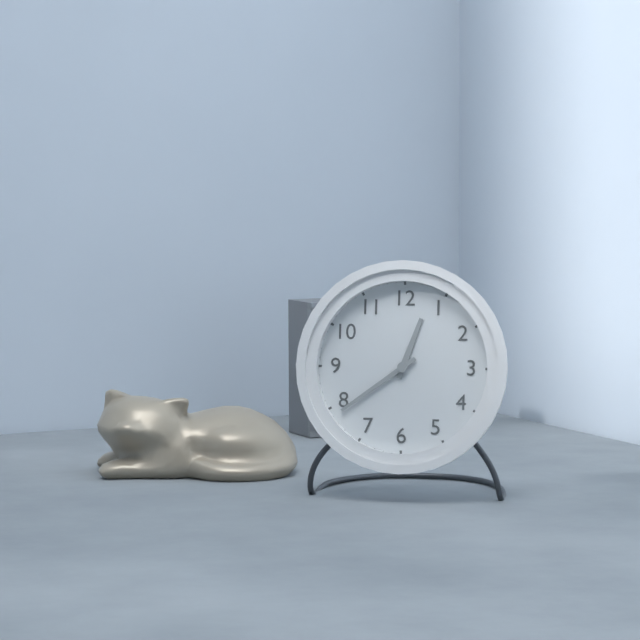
12:39
